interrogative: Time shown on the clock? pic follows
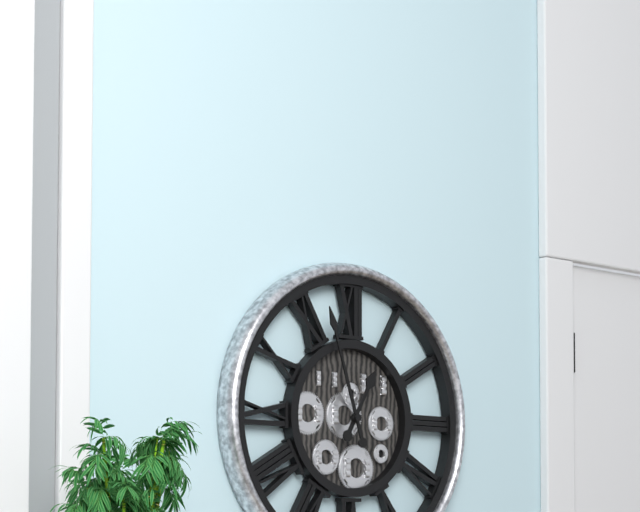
12:57
